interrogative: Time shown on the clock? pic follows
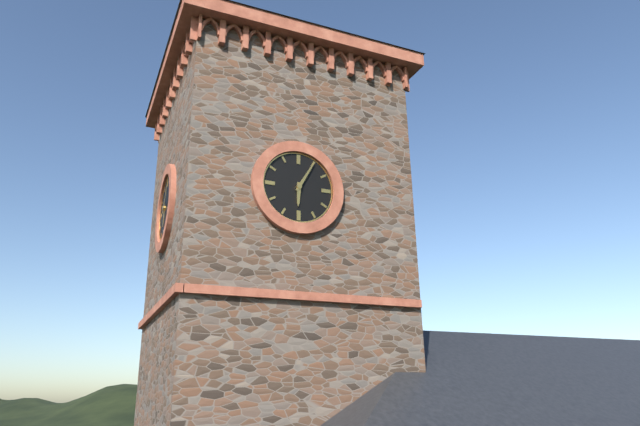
6:05
